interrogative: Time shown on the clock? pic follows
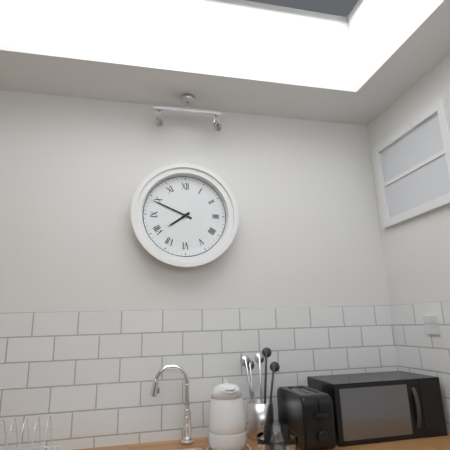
7:49
